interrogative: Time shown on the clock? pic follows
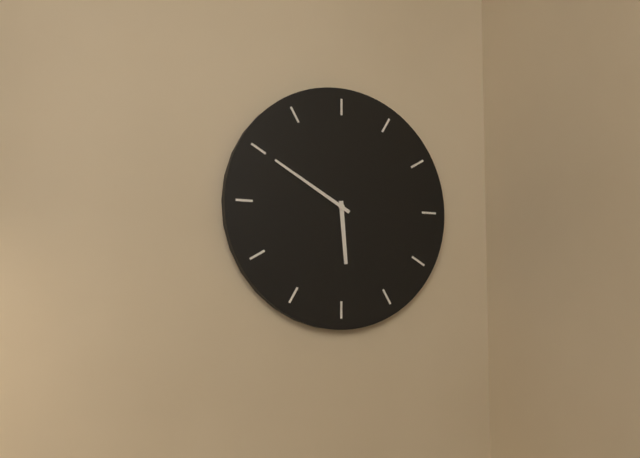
5:50
